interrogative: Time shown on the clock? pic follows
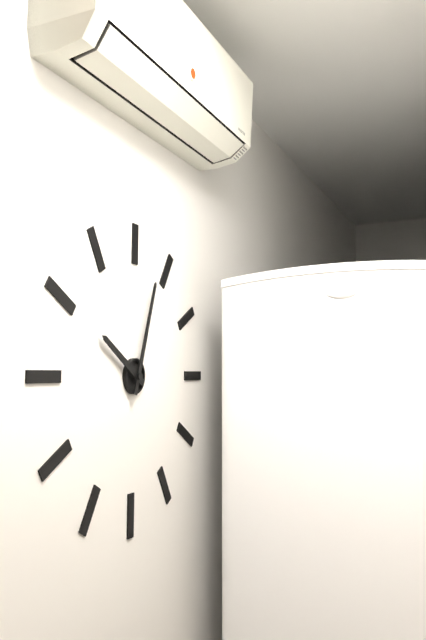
10:03
